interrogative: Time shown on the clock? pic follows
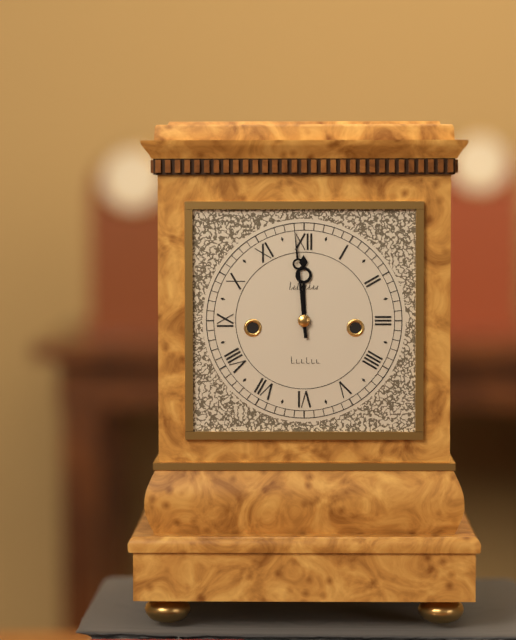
11:59
